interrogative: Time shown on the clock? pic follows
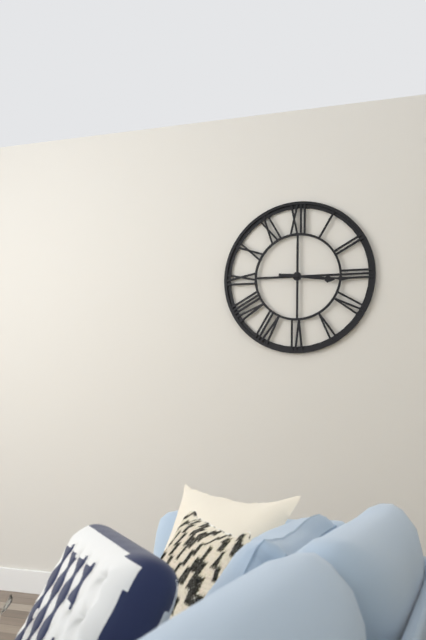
3:16
